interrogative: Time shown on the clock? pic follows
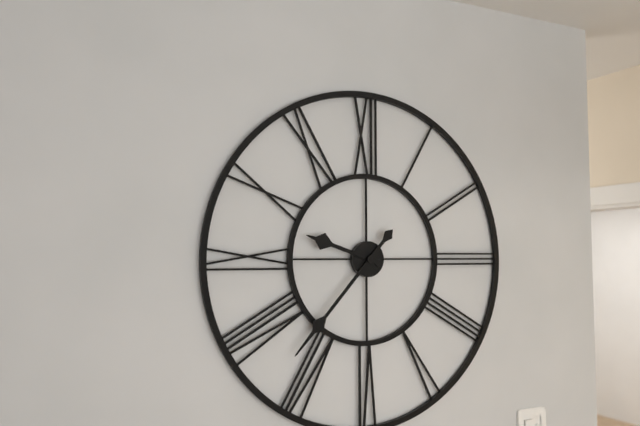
9:37
